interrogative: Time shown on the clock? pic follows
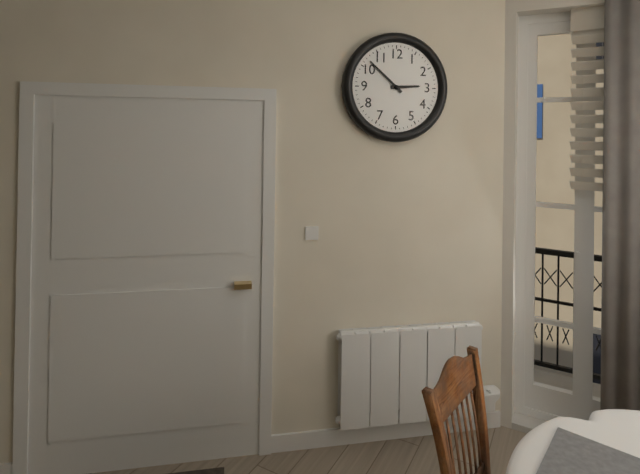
2:52
